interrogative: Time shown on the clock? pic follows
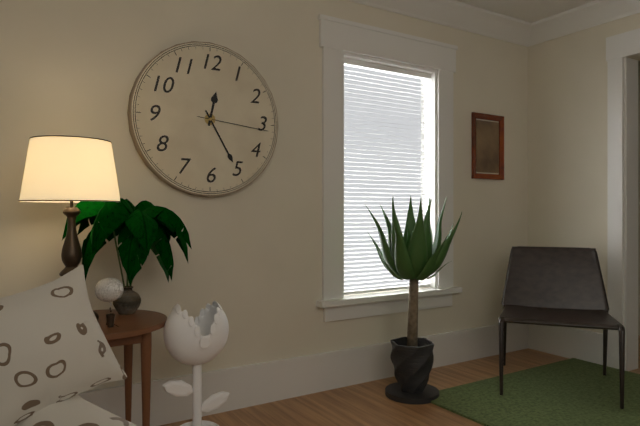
12:25:16
